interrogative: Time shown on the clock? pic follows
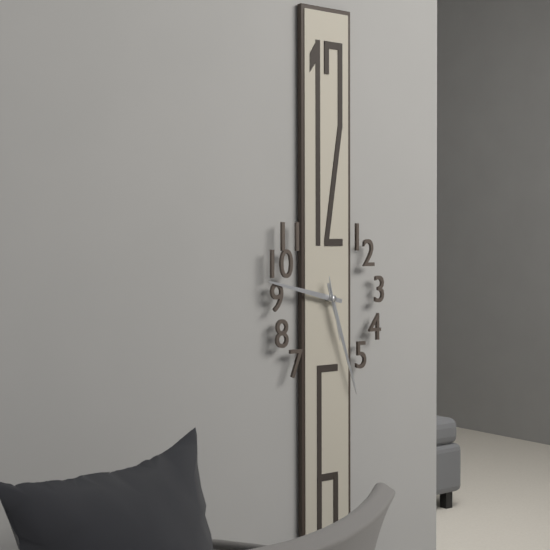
9:27:28
